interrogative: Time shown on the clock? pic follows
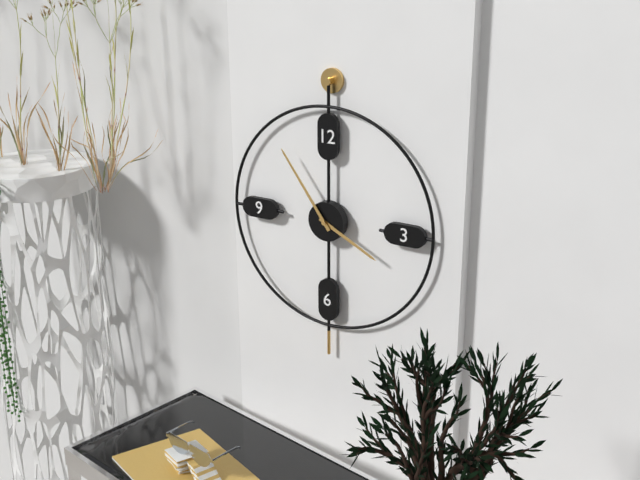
3:54
